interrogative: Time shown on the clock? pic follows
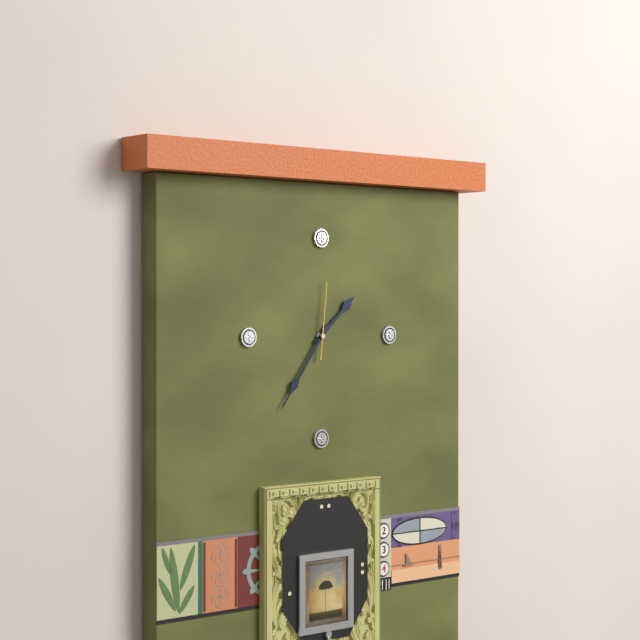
1:36:01
